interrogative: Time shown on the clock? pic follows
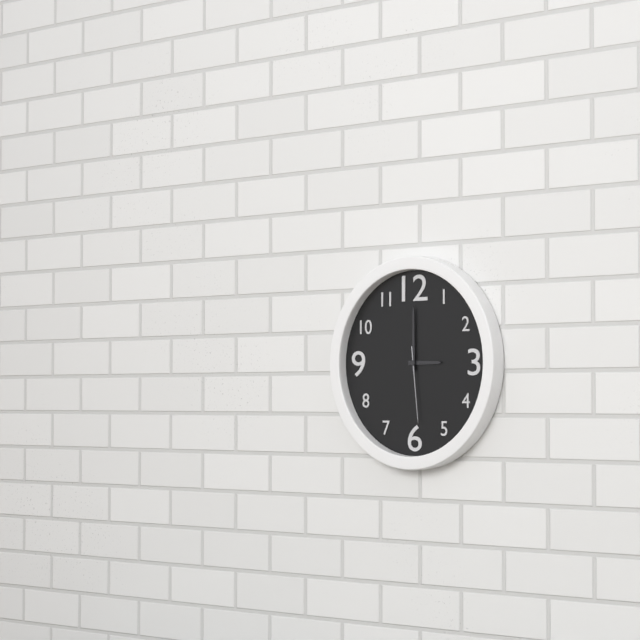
3:00:29
